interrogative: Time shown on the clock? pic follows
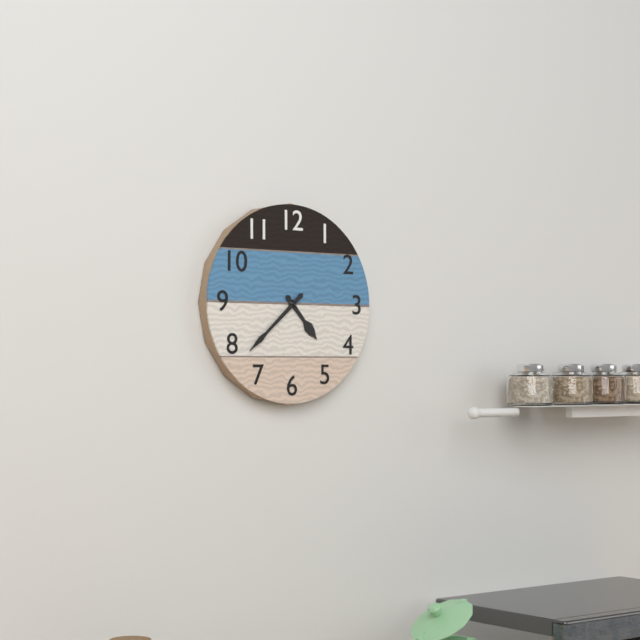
4:38
